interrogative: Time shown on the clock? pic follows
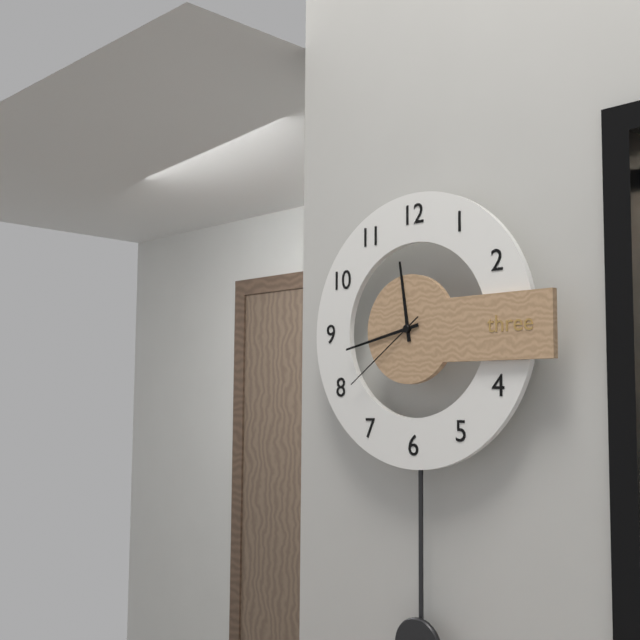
11:43:39
